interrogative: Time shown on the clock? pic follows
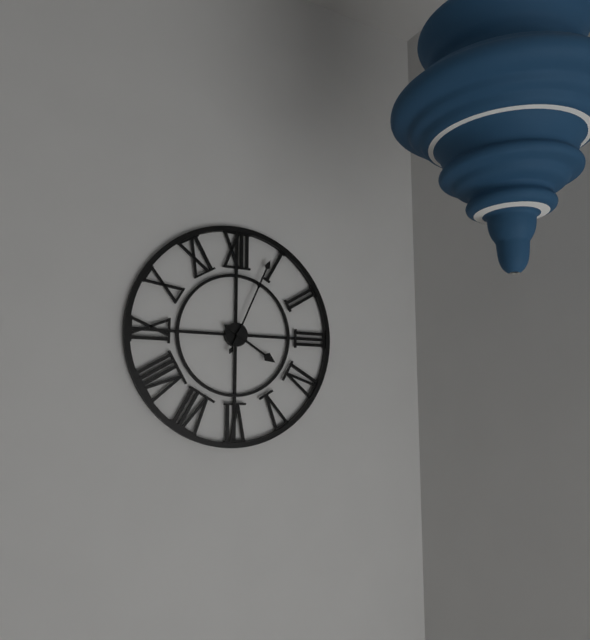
4:04
